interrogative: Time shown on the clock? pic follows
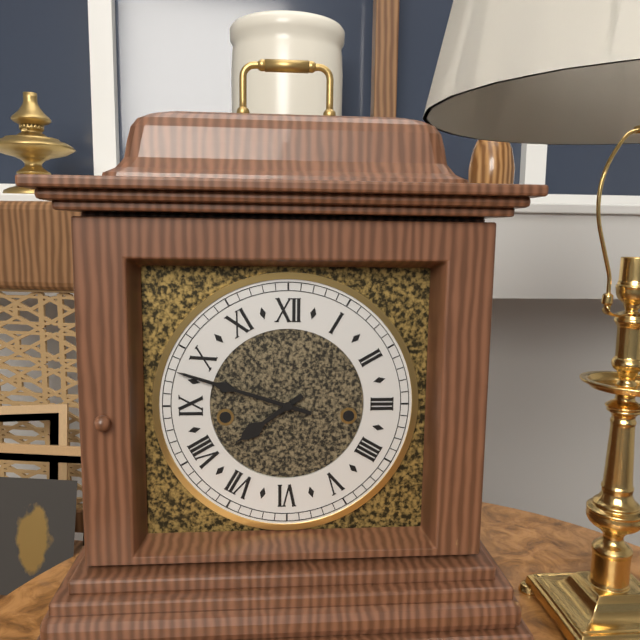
7:48
